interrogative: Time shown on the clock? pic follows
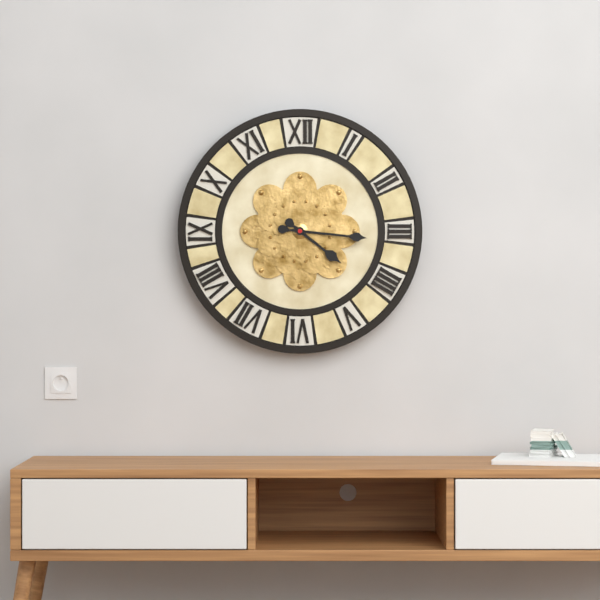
4:16
